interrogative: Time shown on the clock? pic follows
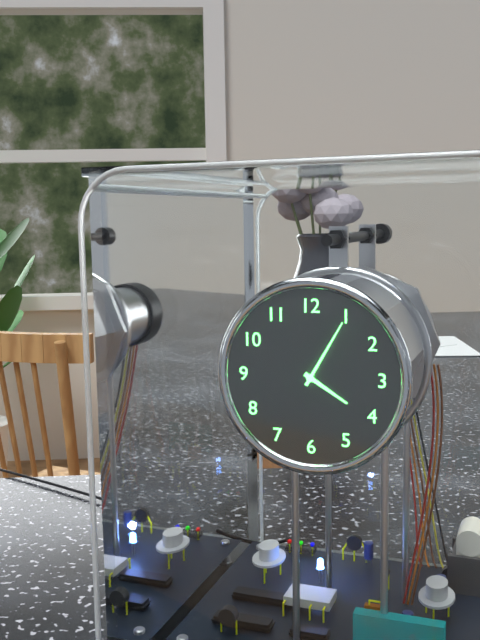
4:05
